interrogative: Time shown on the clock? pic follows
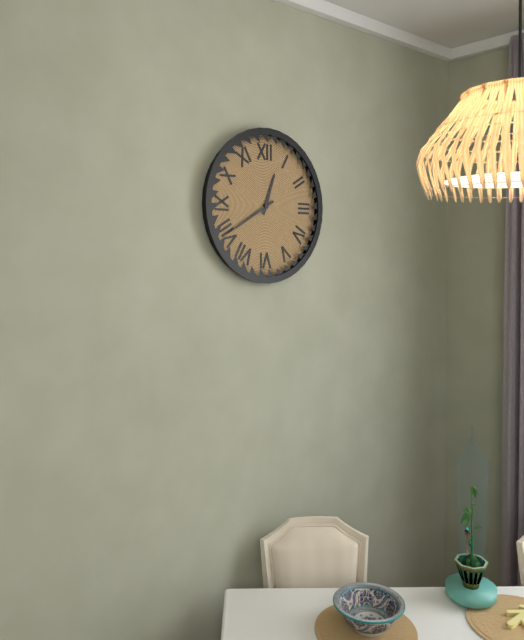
12:40
